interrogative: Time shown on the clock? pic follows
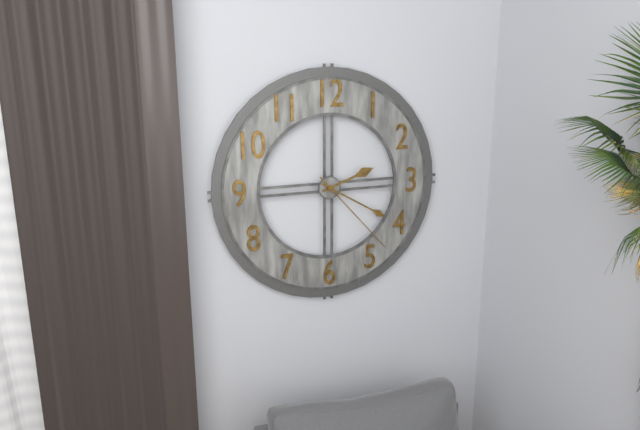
2:20:23
